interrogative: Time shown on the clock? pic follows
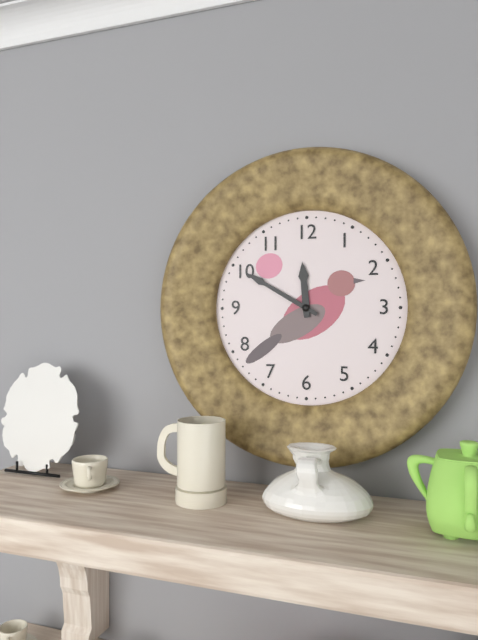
11:50
